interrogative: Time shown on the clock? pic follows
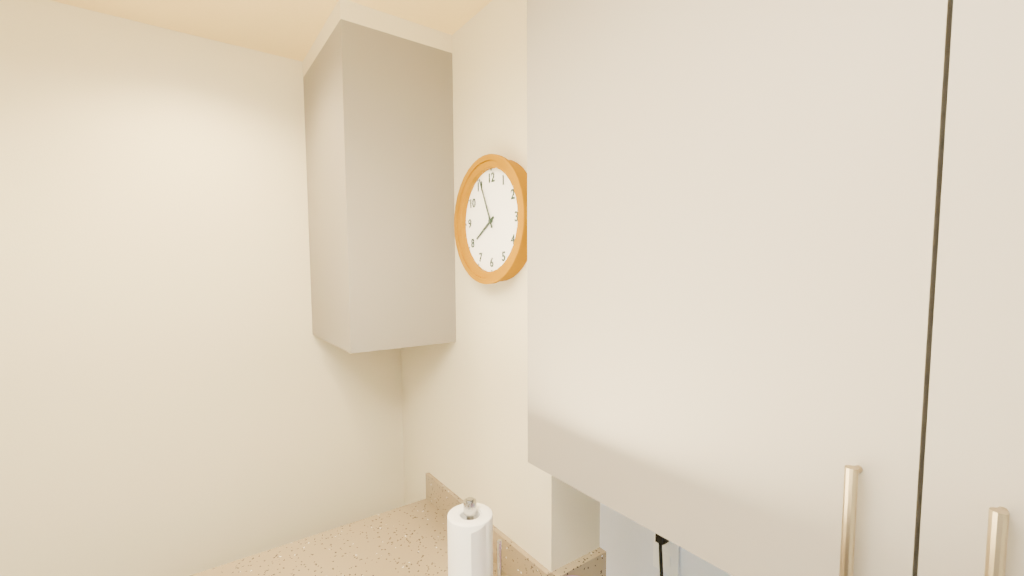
7:56
